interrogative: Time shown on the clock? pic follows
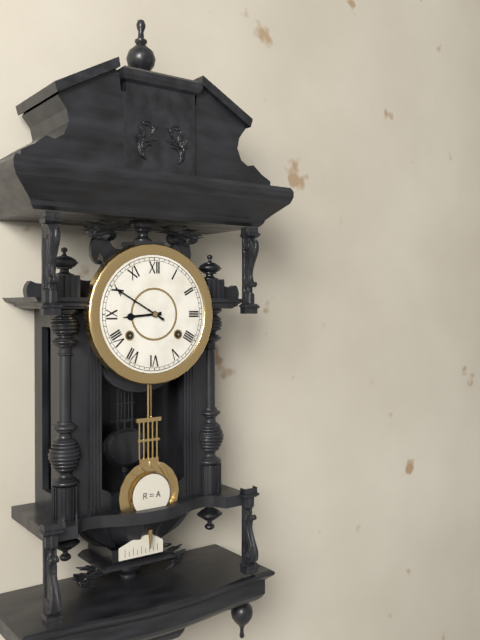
8:50
